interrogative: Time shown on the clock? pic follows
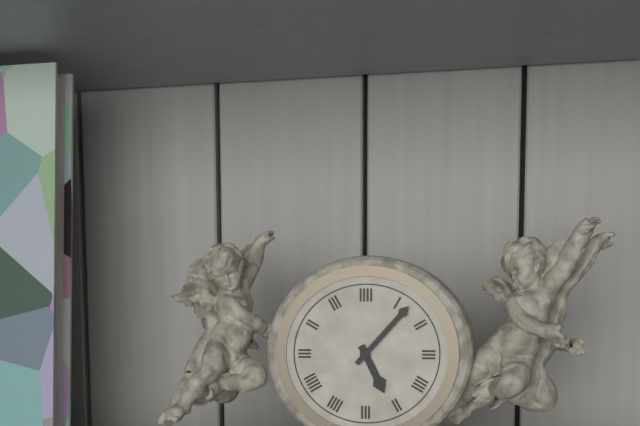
5:07
